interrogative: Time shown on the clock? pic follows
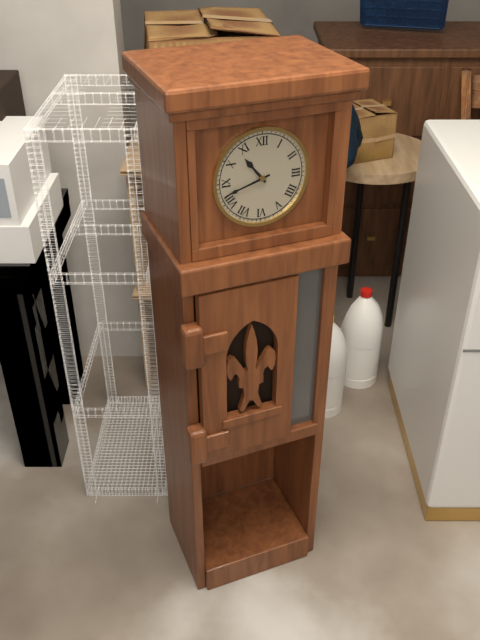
10:42
